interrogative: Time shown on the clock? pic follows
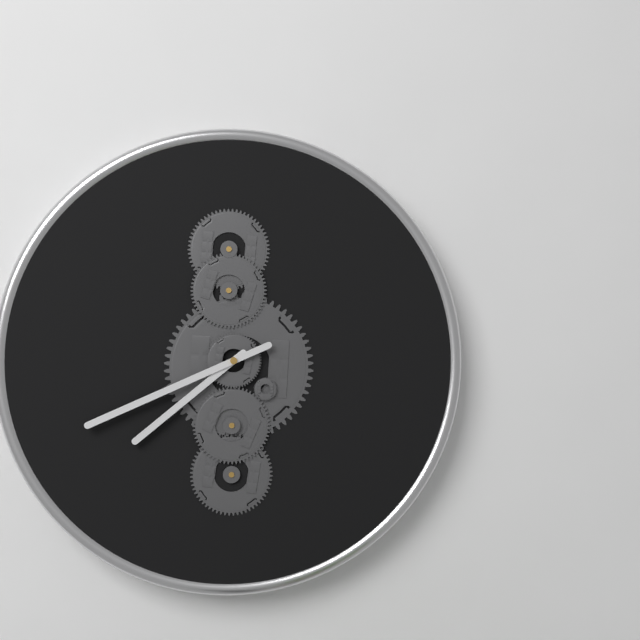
7:41
